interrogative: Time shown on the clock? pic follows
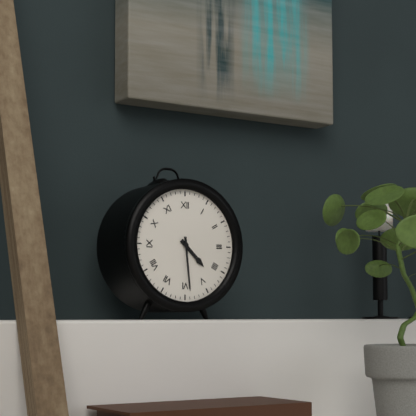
4:29
